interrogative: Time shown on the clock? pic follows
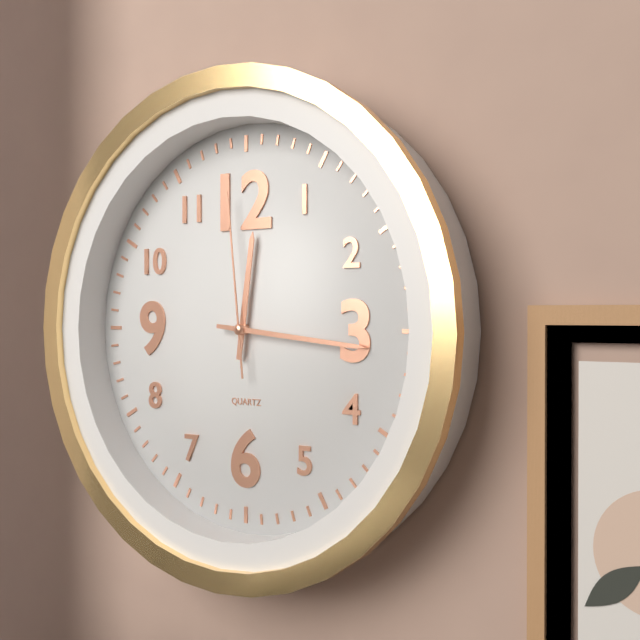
12:16:59
